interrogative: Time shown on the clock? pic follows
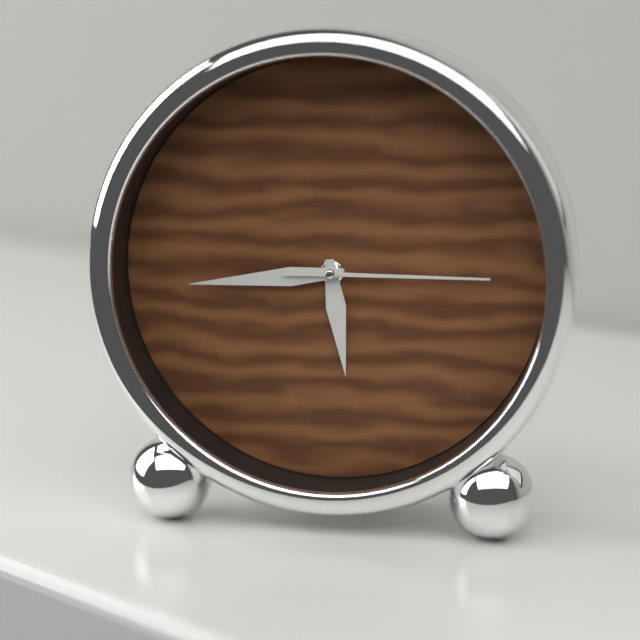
5:44:15
